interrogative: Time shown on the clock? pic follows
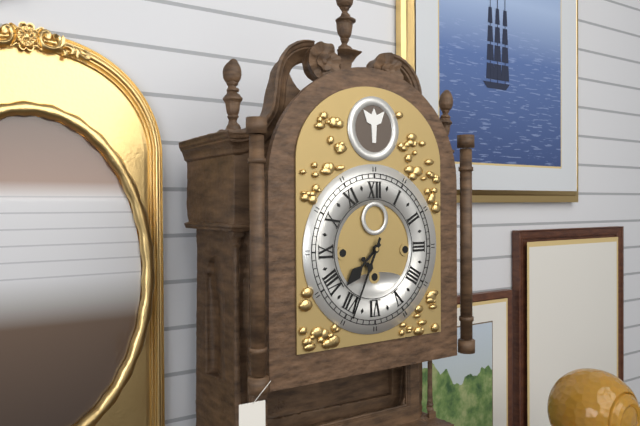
7:34
